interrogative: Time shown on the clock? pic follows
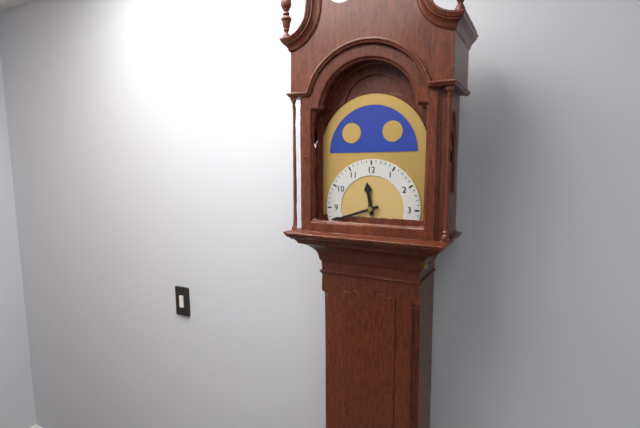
11:42
